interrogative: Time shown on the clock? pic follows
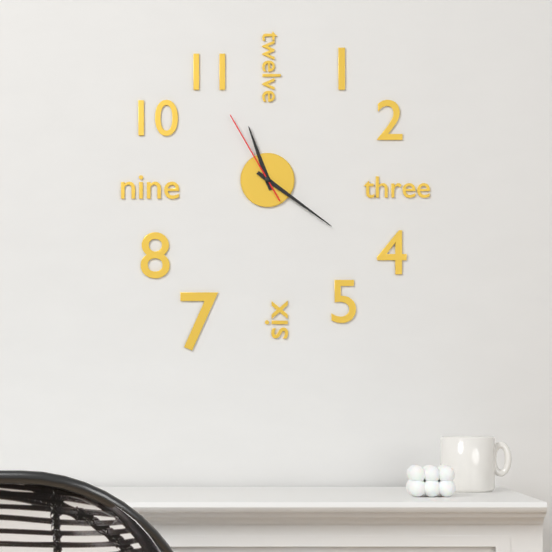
11:21:55
